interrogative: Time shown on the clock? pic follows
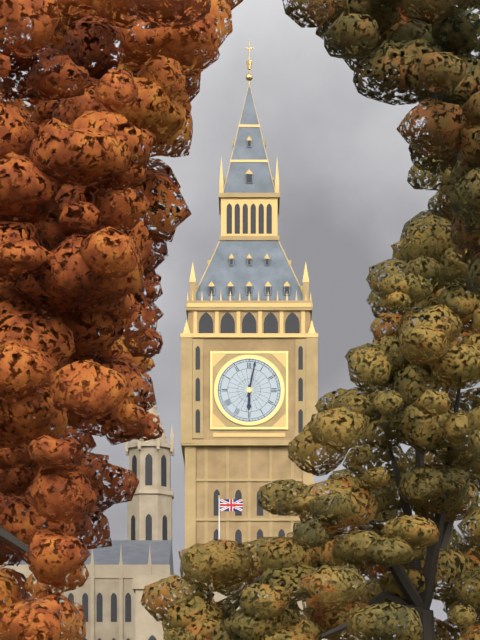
6:02
